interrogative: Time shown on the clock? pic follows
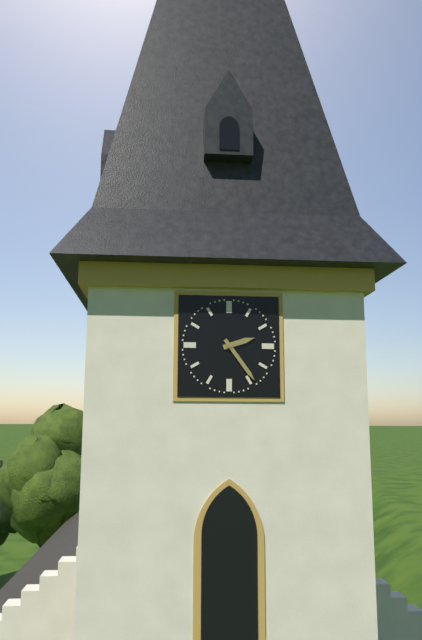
2:24
